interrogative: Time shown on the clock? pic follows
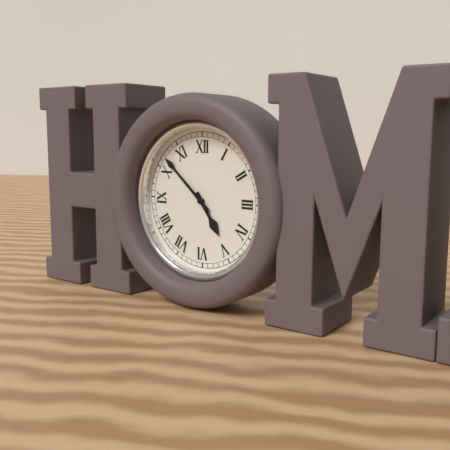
4:52
